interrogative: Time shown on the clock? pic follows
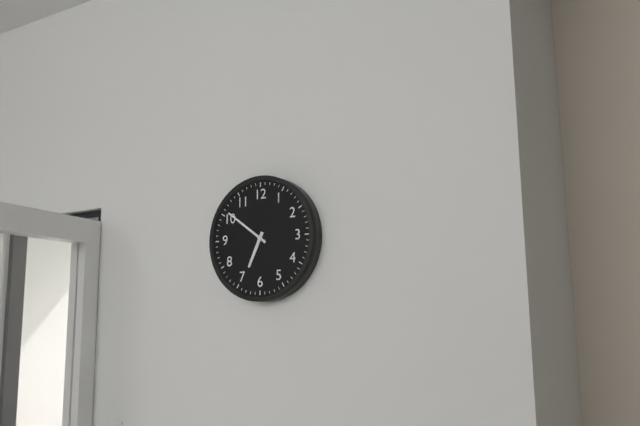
6:51
